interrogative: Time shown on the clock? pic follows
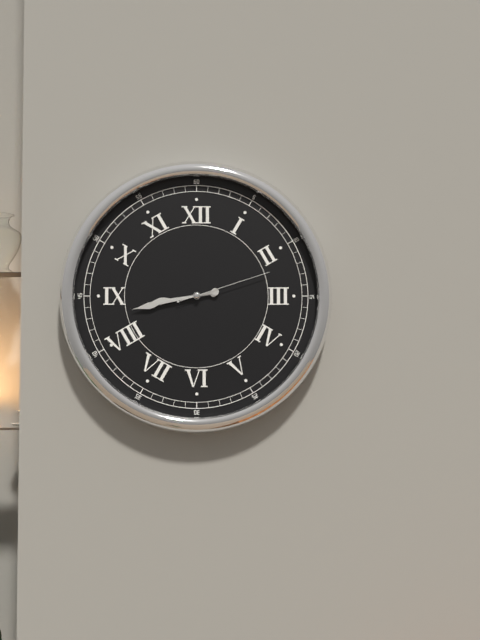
8:43:12
